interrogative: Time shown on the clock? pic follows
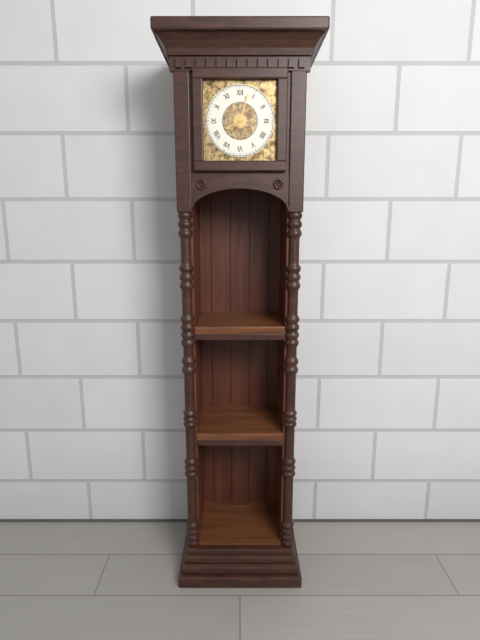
8:03
